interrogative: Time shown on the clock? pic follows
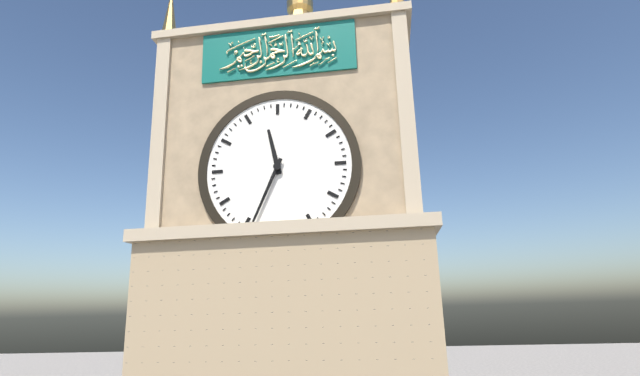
11:34
